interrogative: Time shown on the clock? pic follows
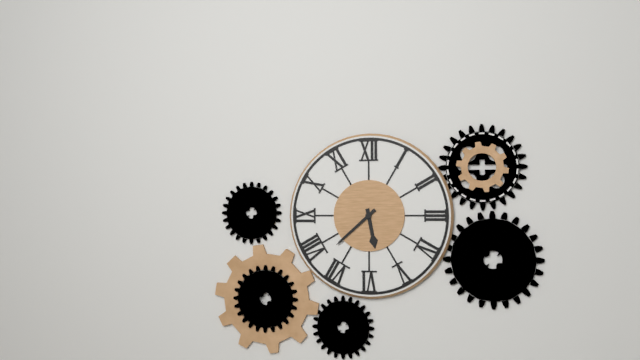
5:38
